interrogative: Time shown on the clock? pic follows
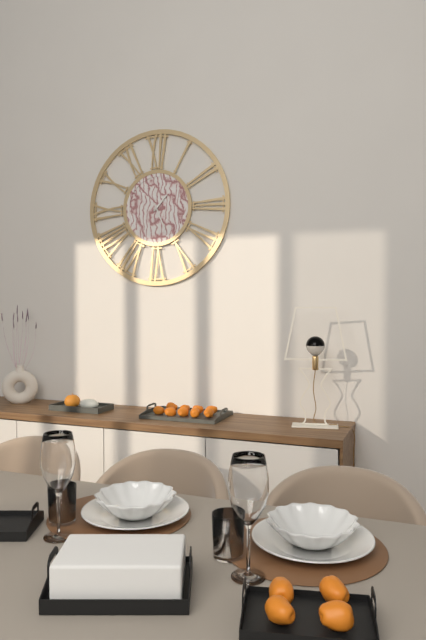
1:26
